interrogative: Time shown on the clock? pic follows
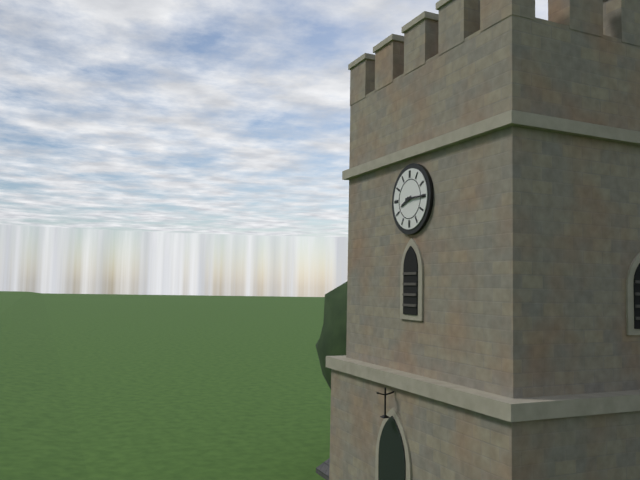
8:15
